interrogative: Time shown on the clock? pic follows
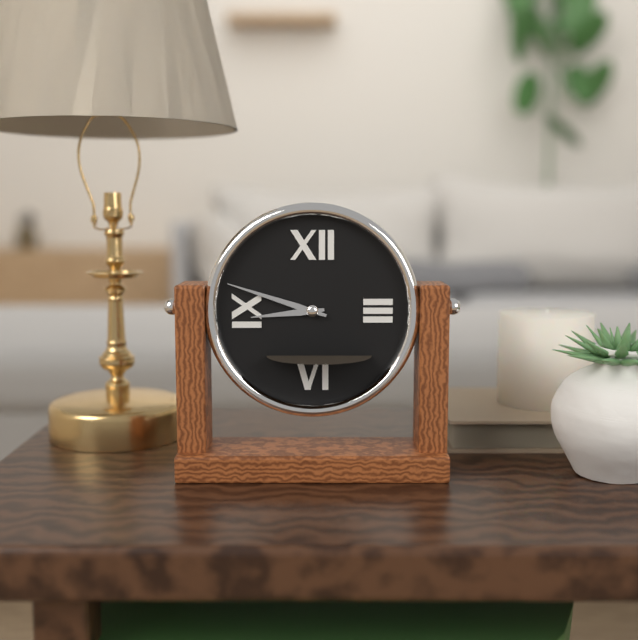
8:48
